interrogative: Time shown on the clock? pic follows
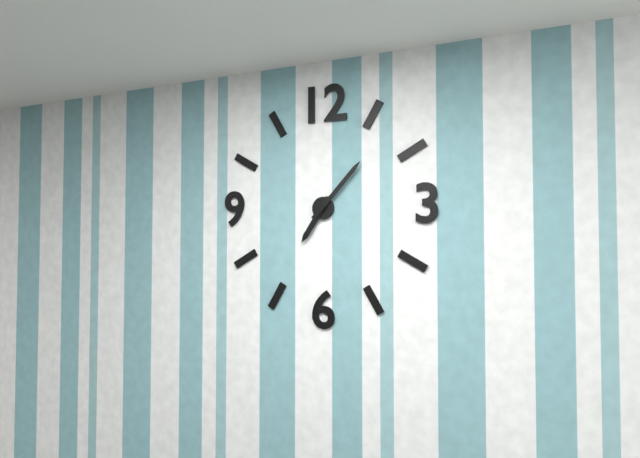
7:07
